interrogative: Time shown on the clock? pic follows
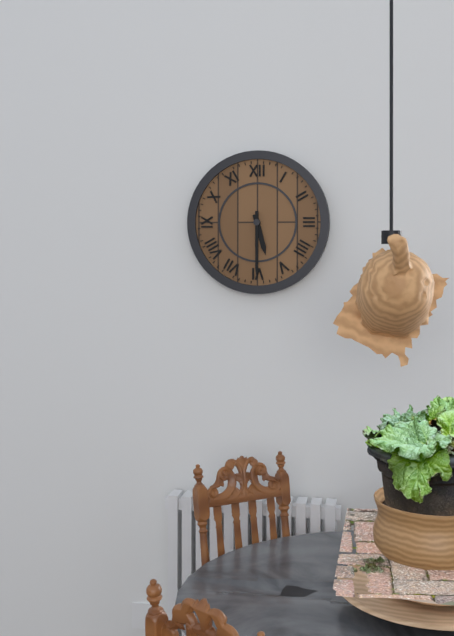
5:30
